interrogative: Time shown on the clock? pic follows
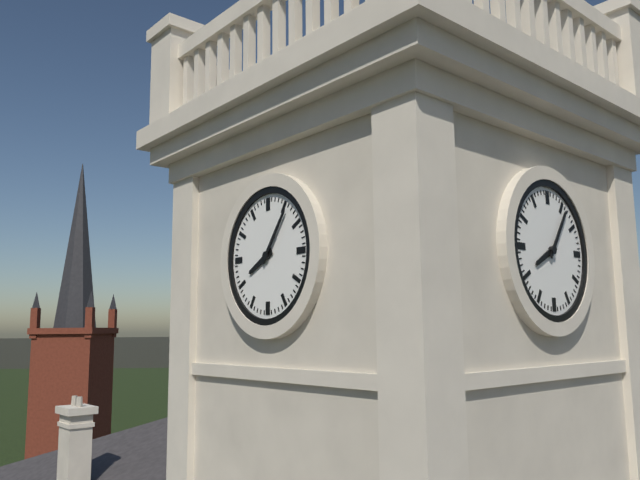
8:06
